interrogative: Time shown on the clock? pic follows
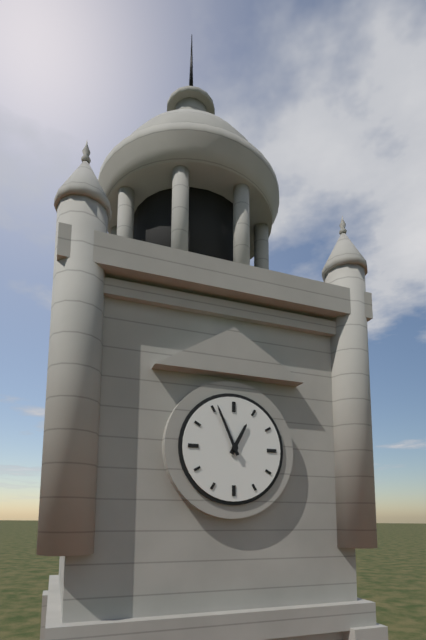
12:56
